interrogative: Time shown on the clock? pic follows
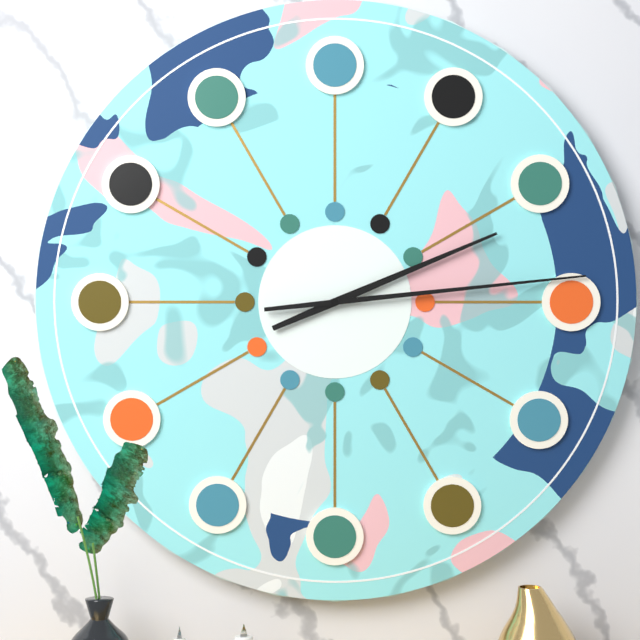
2:14
